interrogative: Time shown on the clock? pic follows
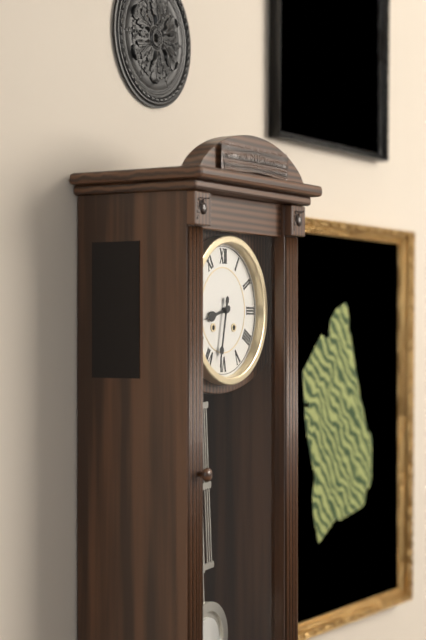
8:32
